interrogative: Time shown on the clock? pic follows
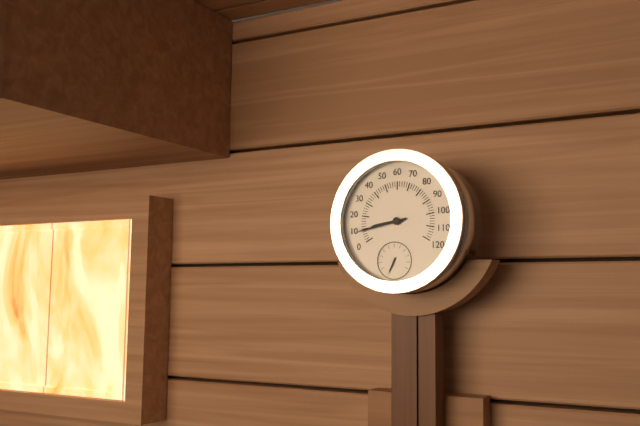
8:43
